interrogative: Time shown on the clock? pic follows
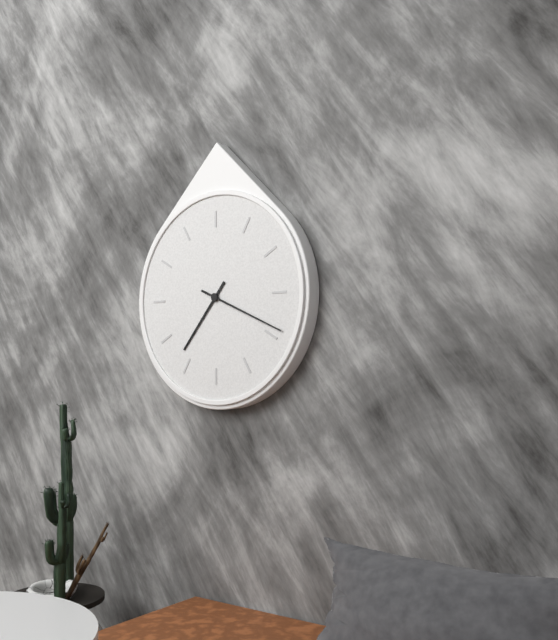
7:19
